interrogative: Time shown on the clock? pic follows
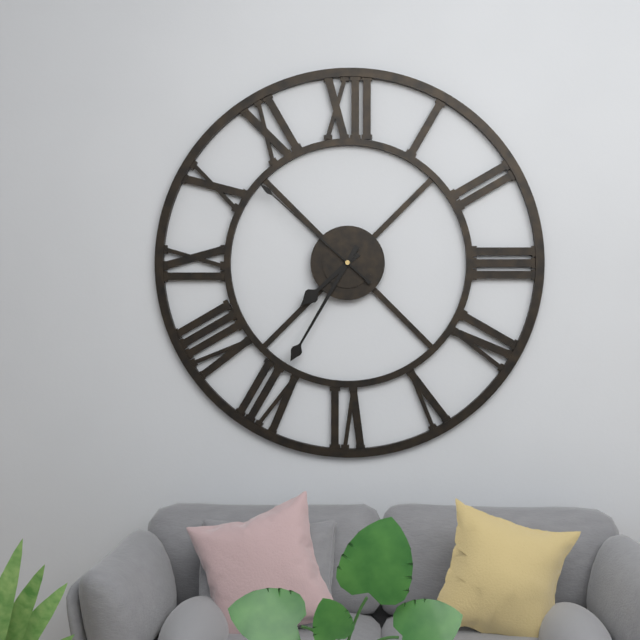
7:35:52
